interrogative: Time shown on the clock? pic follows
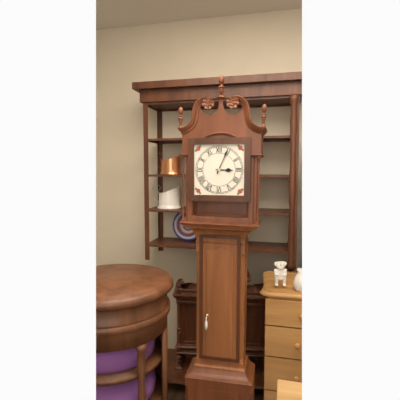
3:04
